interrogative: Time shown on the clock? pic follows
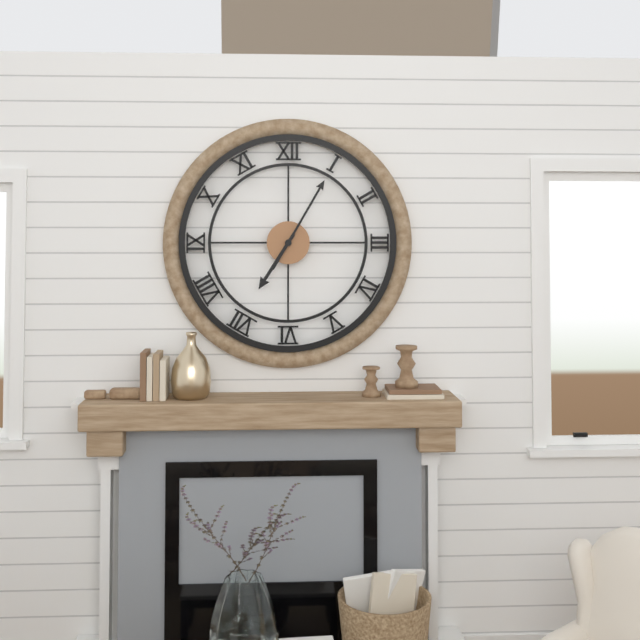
7:05
